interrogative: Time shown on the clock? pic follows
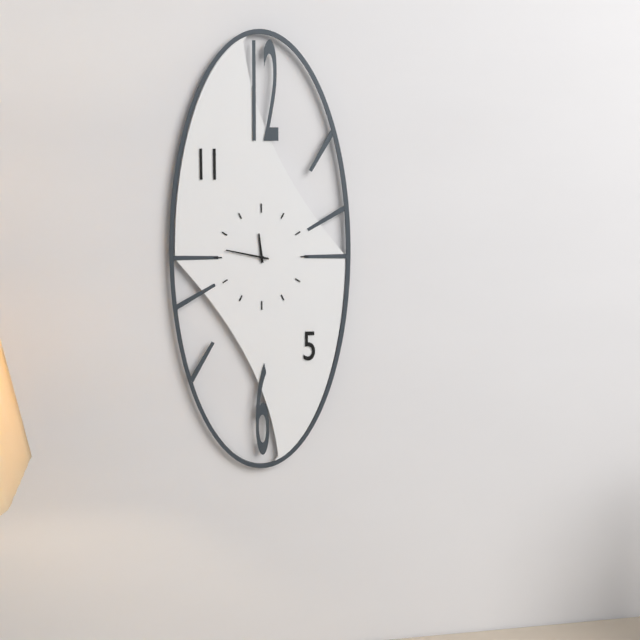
11:47
